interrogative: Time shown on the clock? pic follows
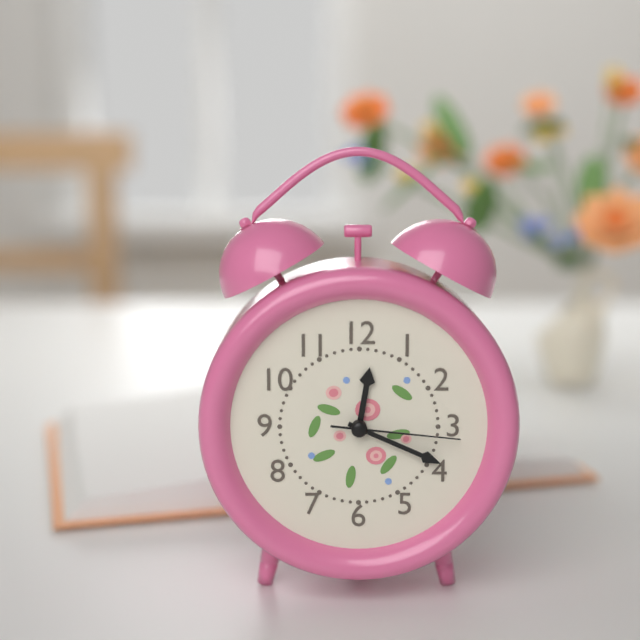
12:19:16
